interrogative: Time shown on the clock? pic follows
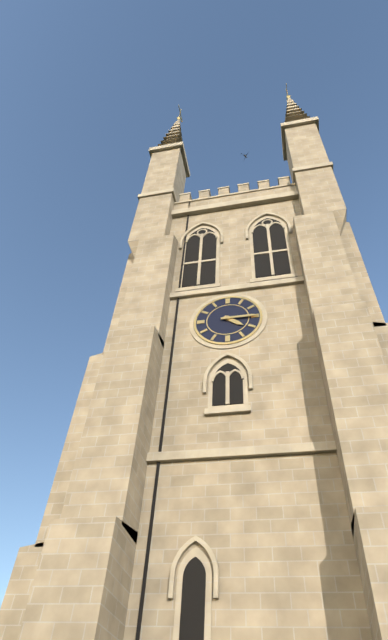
4:15
